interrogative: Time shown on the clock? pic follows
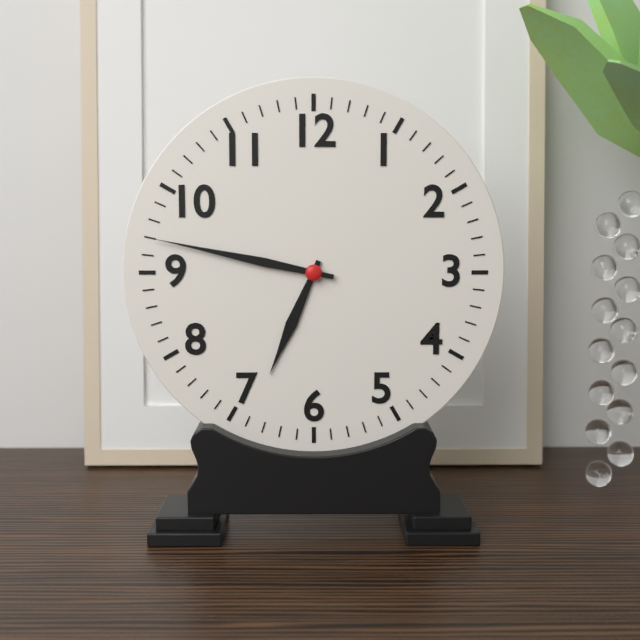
6:47
